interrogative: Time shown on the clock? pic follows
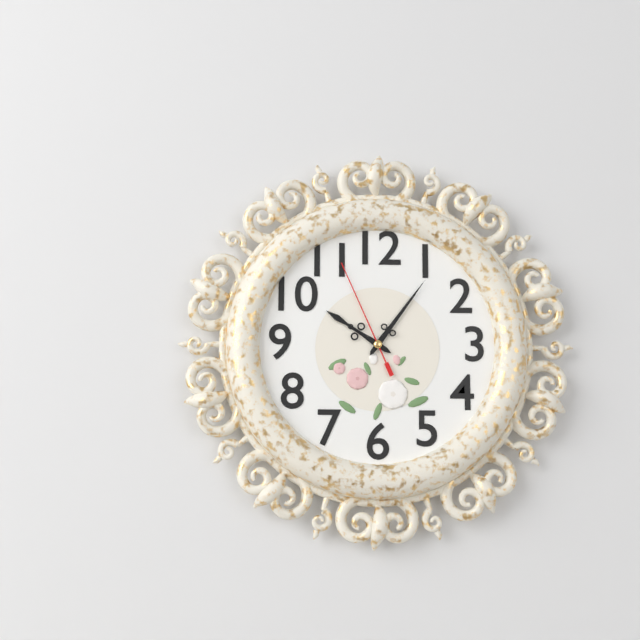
10:06:56
